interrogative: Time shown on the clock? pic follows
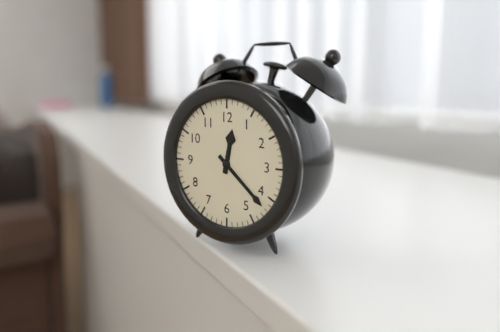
12:22
